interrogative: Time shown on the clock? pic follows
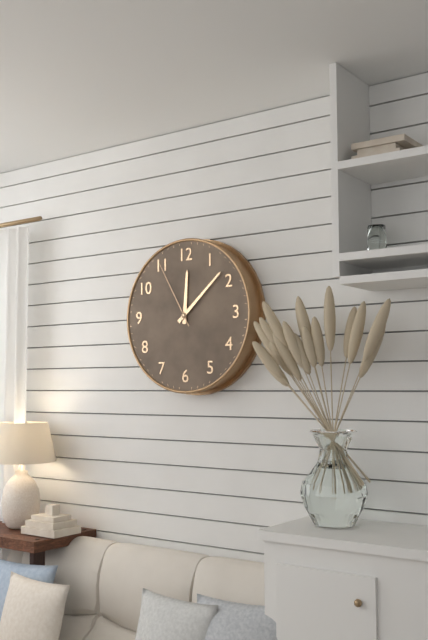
12:08:55
